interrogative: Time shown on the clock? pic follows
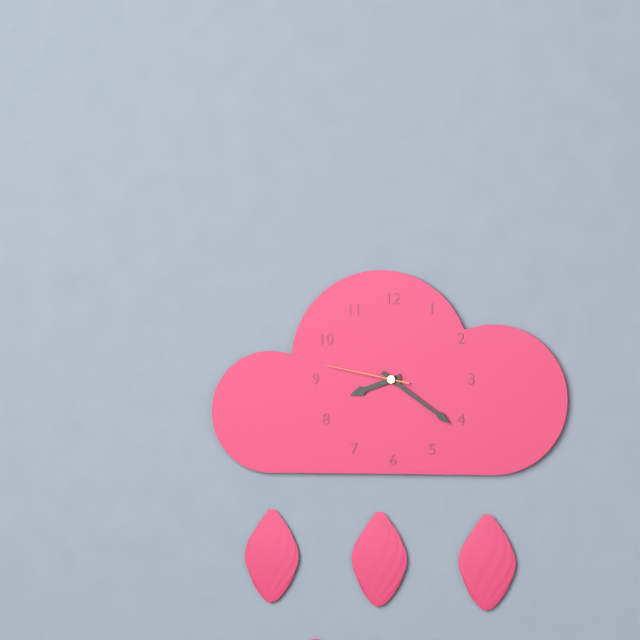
8:21:47
